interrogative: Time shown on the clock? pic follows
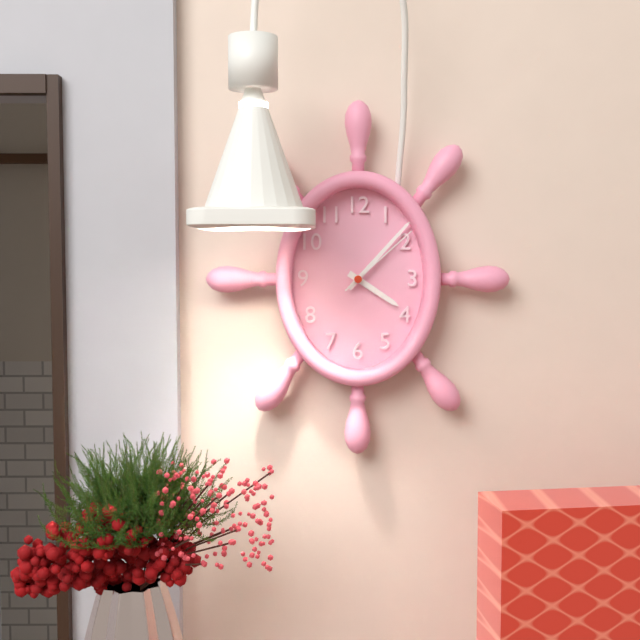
4:07:08
